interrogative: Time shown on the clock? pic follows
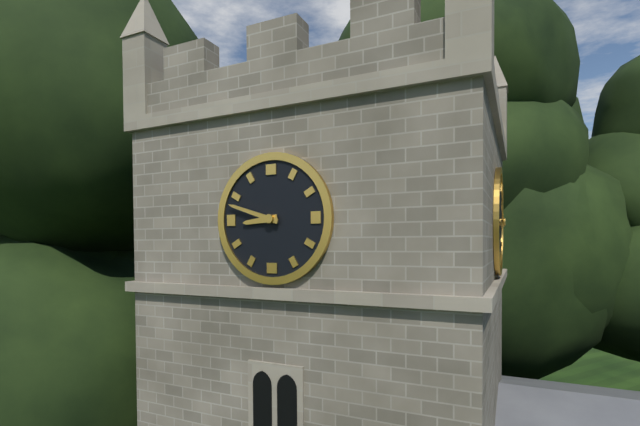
8:48
